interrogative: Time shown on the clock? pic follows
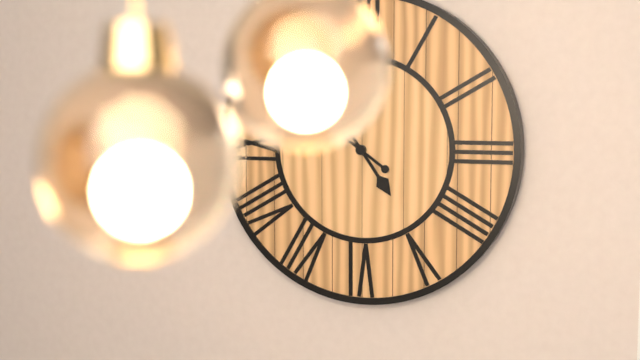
4:51
